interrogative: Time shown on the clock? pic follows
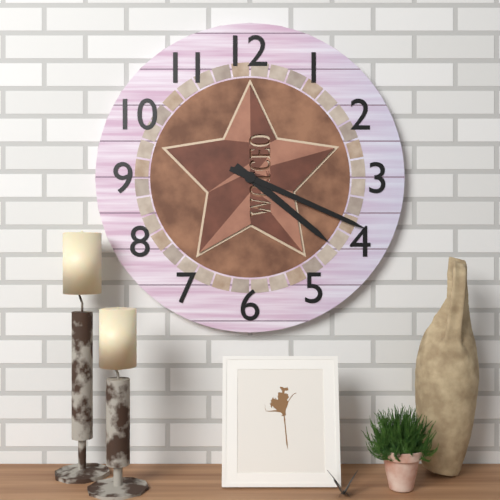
4:19
